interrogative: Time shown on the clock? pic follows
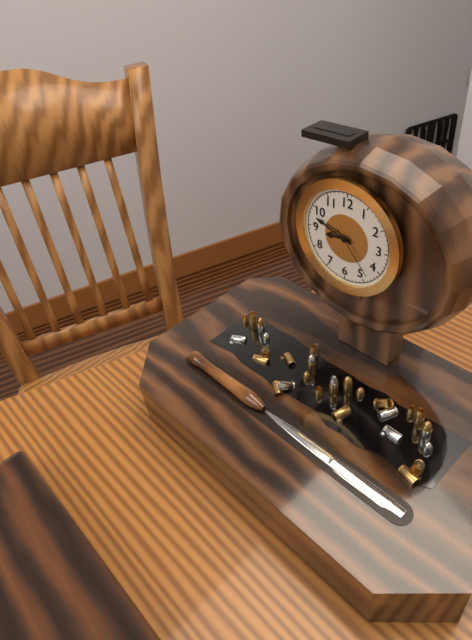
8:48:23
